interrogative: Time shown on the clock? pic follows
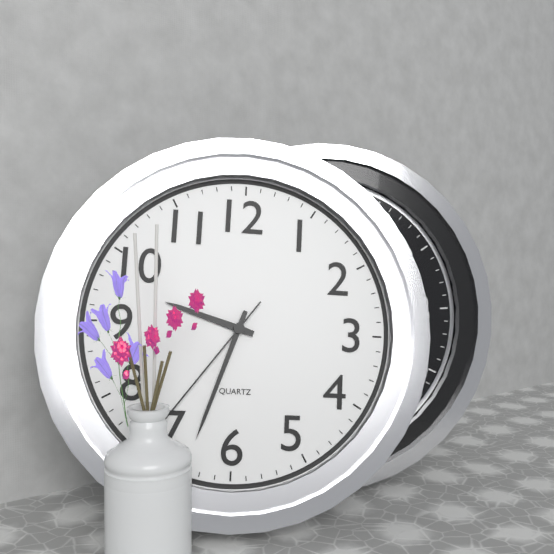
9:33:36
